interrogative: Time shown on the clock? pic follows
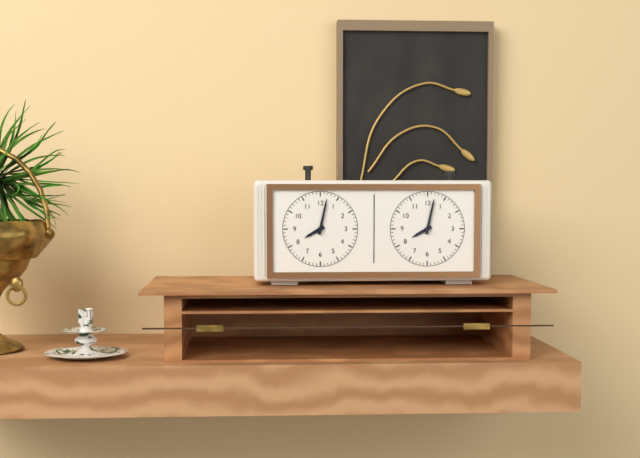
8:02
